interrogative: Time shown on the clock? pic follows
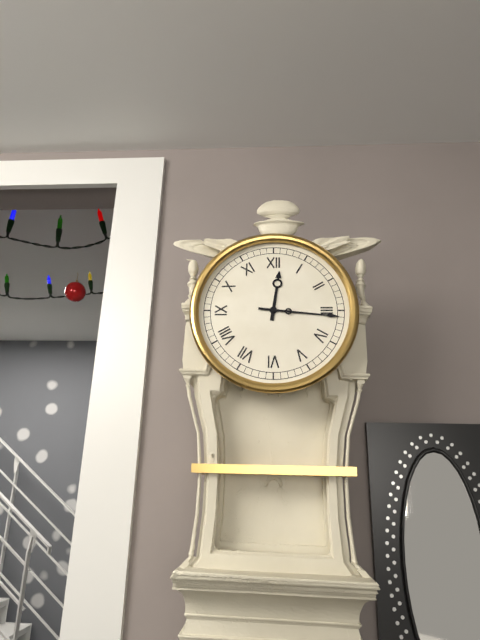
12:16
